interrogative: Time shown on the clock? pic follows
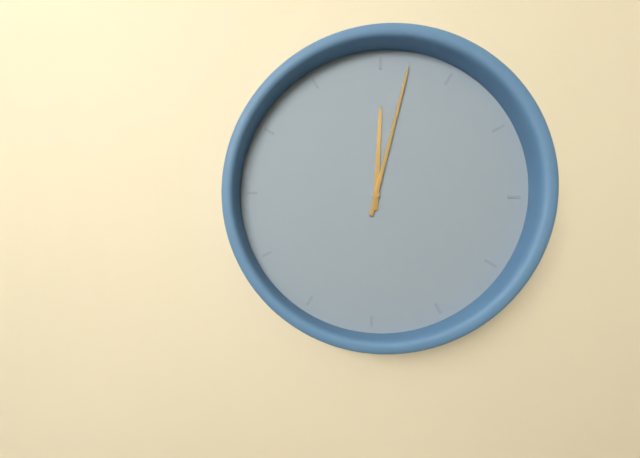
12:02
